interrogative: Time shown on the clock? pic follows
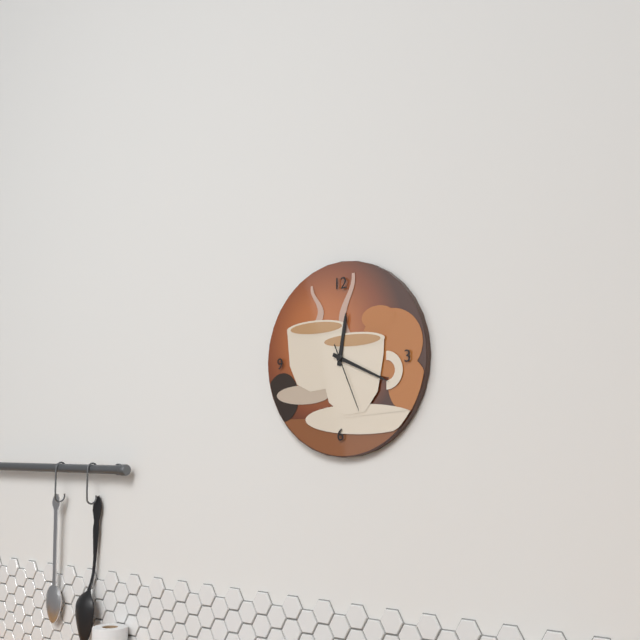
12:19:26
